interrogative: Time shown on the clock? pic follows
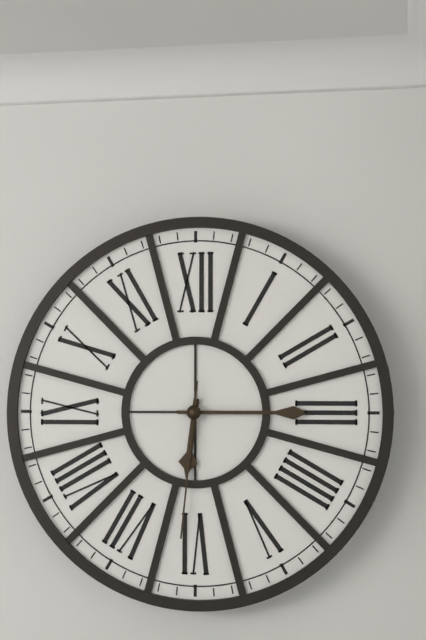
6:15:31
